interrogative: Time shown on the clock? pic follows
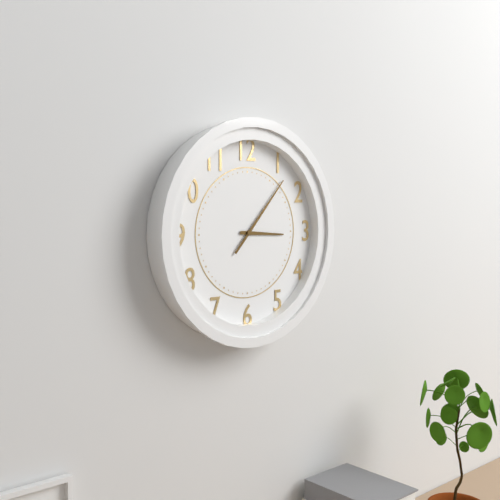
3:07
